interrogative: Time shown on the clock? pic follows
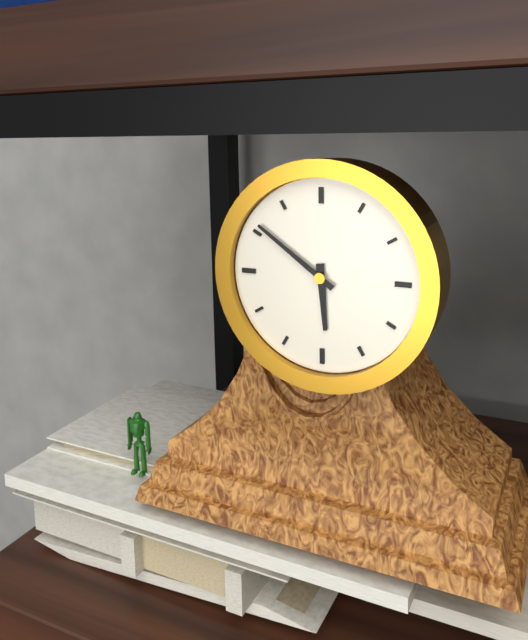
5:51
